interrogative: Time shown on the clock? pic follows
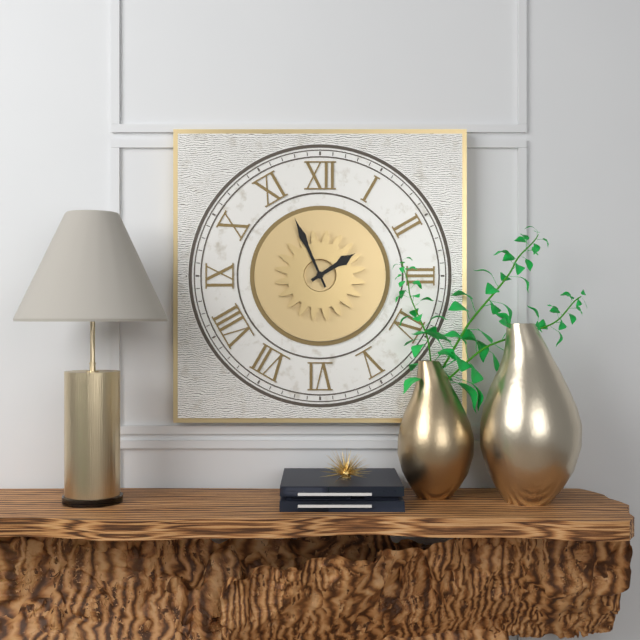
1:56
